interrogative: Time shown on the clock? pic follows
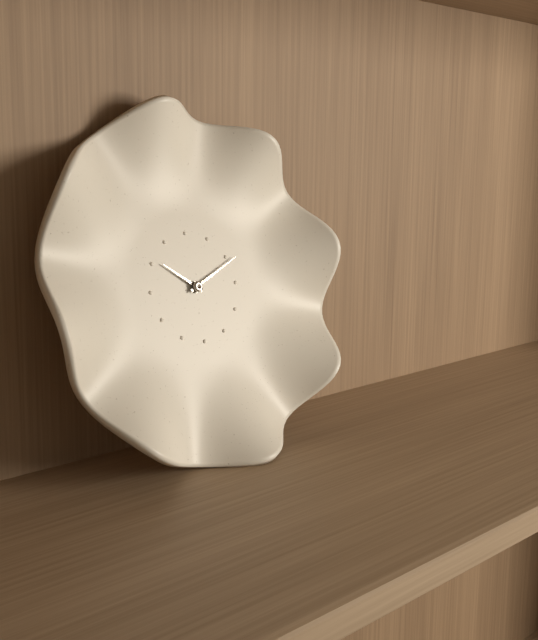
10:11
